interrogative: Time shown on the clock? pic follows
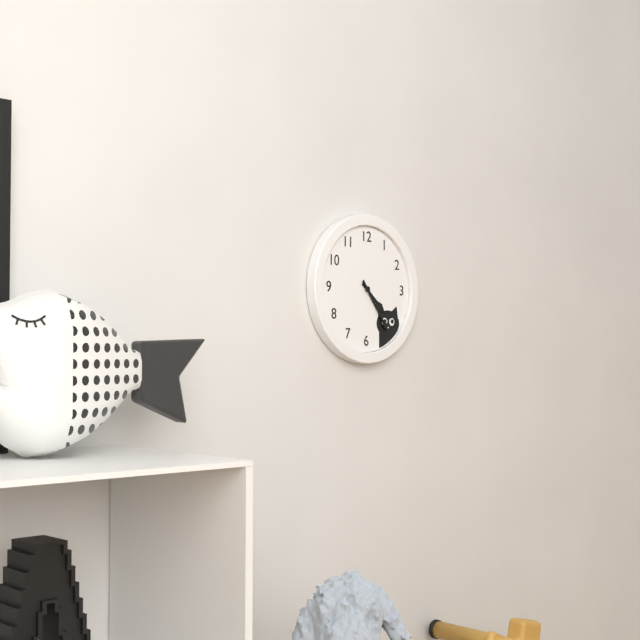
4:24
